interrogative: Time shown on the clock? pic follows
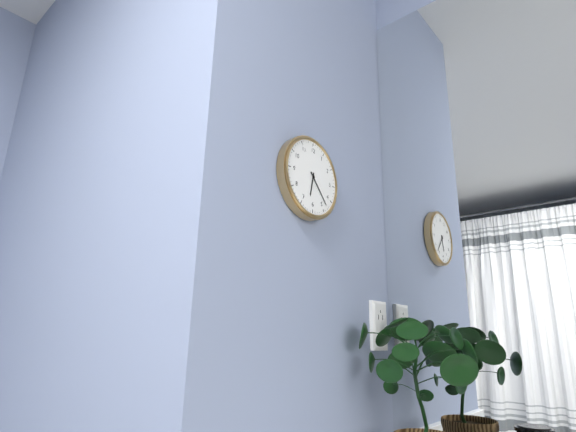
6:23
